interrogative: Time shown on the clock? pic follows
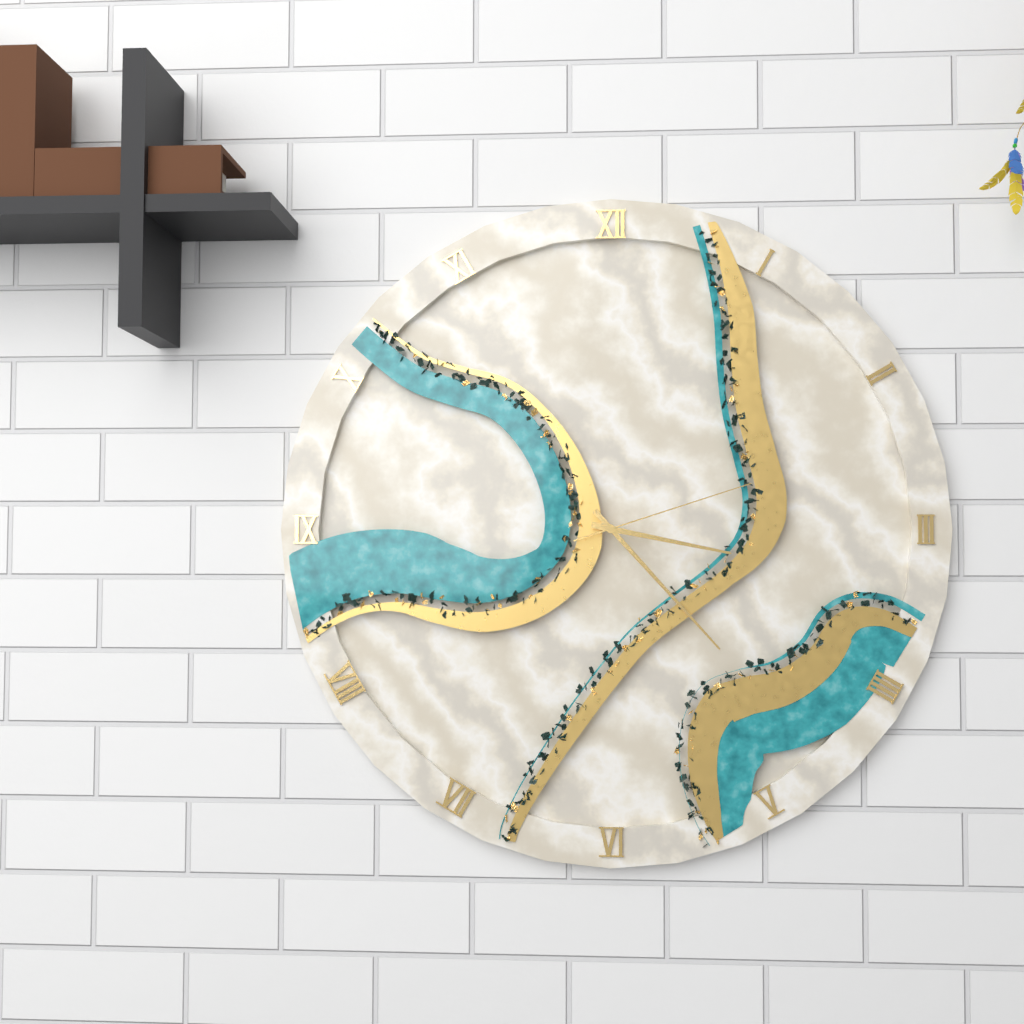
3:23:12
